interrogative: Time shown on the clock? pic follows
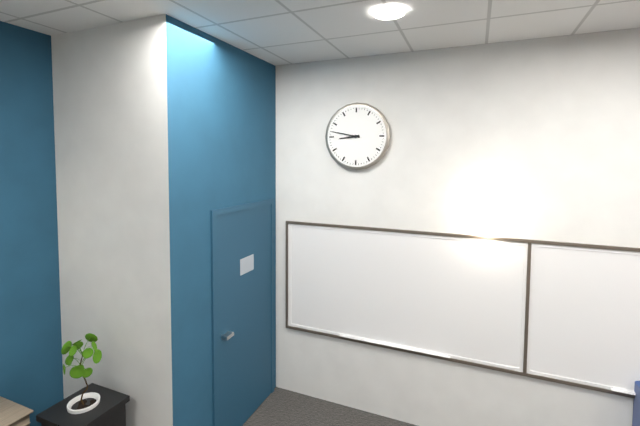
8:47
